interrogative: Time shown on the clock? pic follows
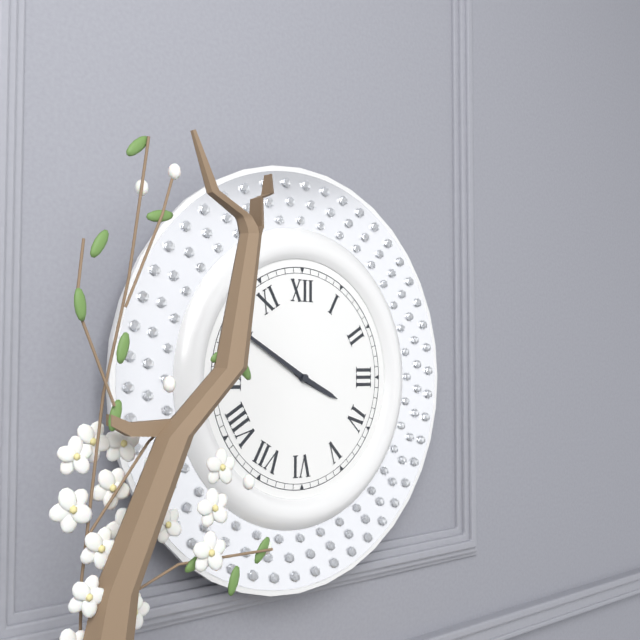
3:50
